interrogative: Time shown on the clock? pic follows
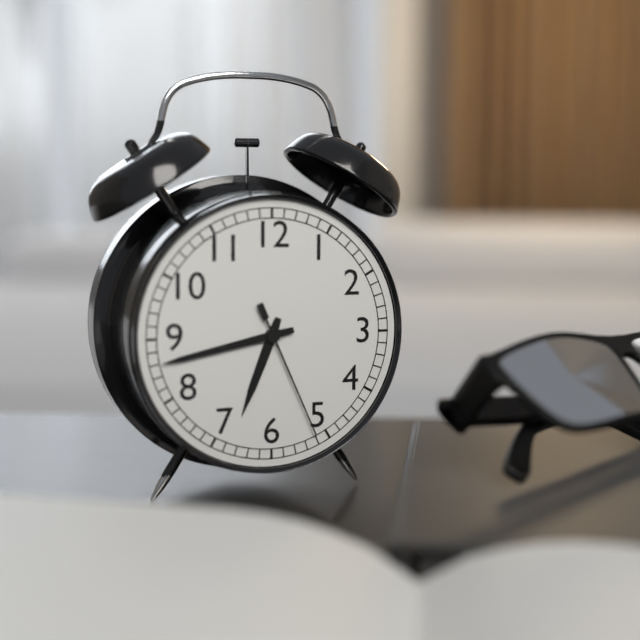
6:43:26
